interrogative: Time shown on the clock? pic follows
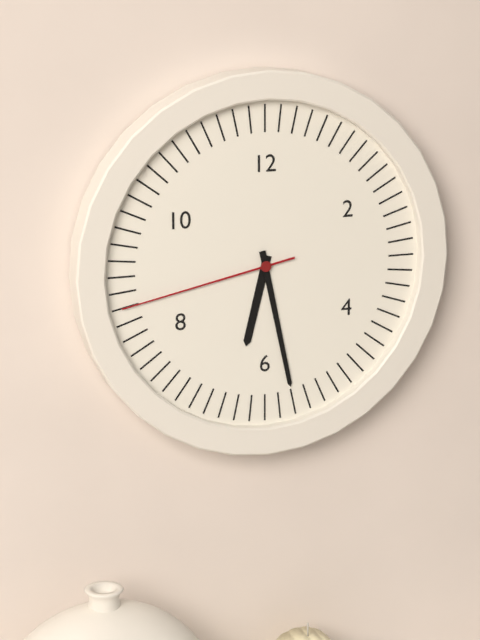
6:28:43
